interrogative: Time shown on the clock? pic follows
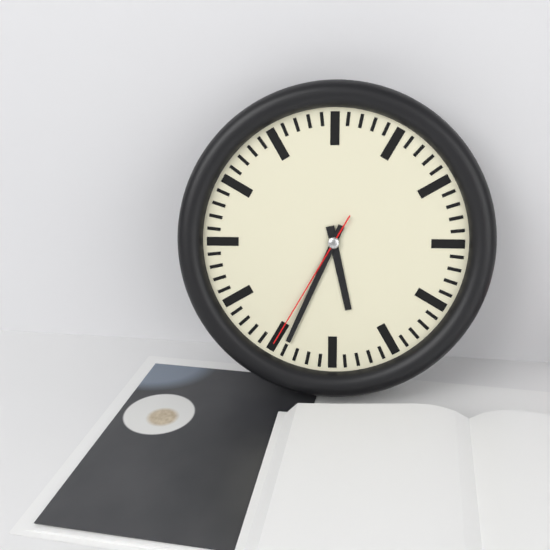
5:34:35
